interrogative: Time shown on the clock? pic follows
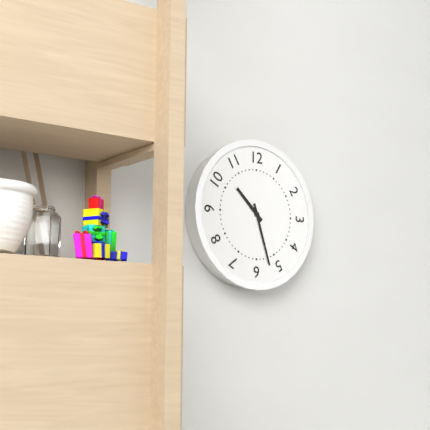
10:27
